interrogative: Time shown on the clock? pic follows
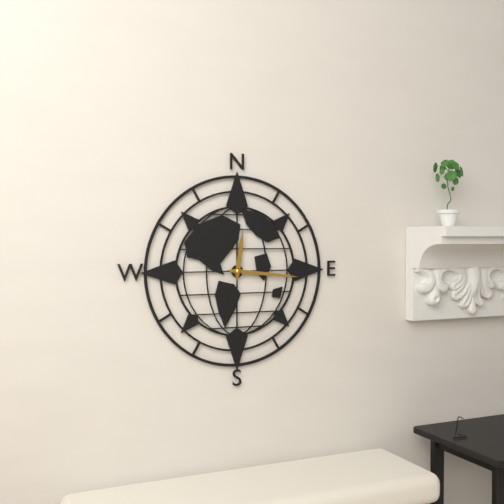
12:16
